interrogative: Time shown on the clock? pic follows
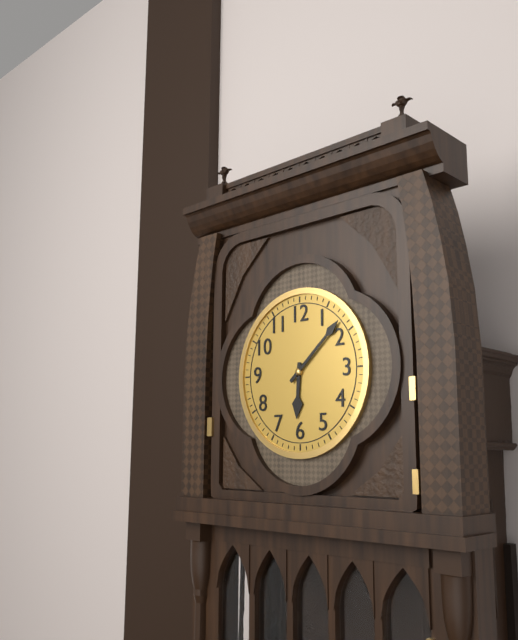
6:08
